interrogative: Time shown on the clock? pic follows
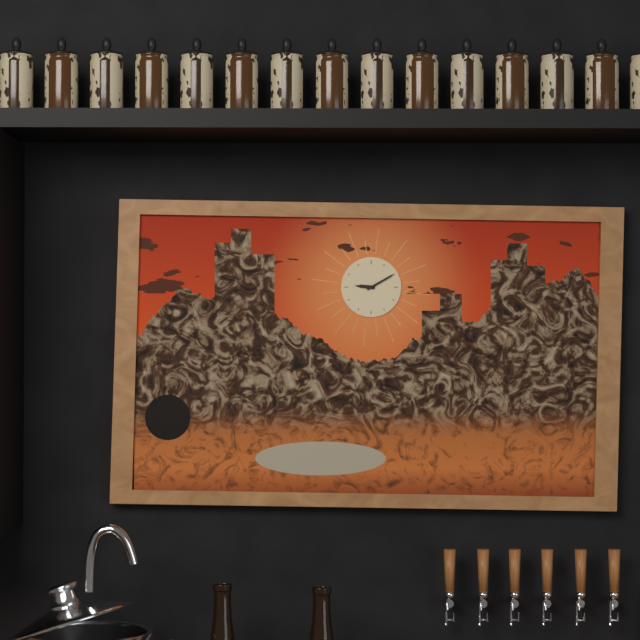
9:10
